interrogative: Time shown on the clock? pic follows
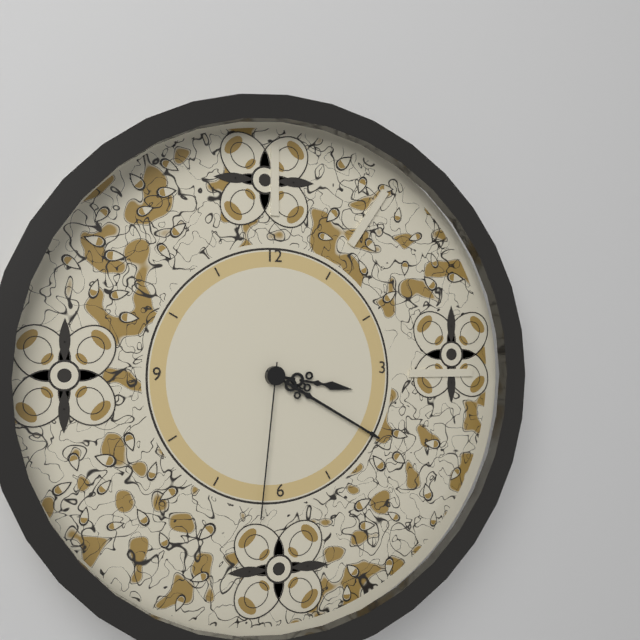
3:20:31
